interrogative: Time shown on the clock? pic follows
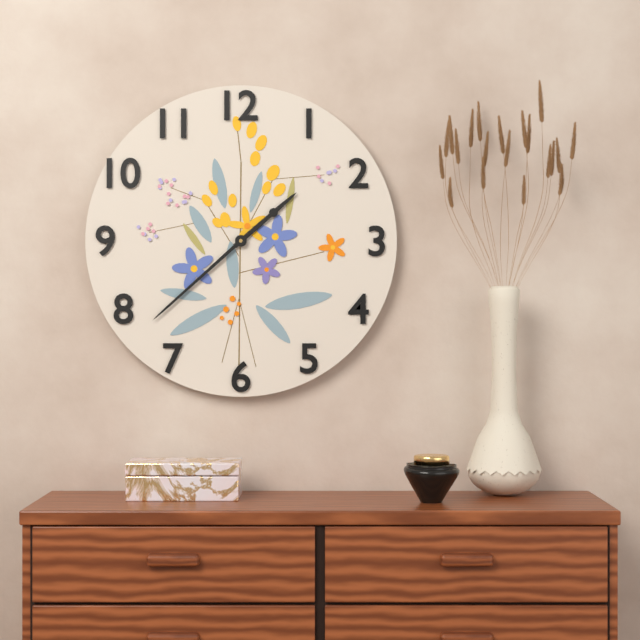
1:38
